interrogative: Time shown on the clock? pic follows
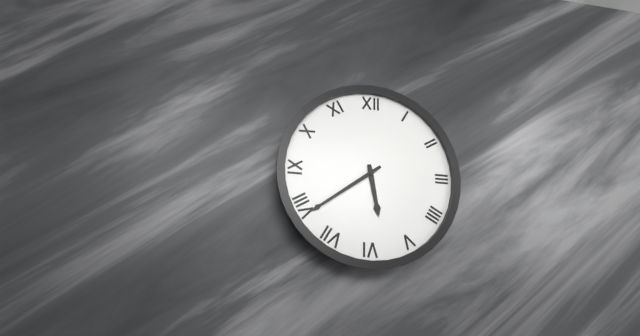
5:39
